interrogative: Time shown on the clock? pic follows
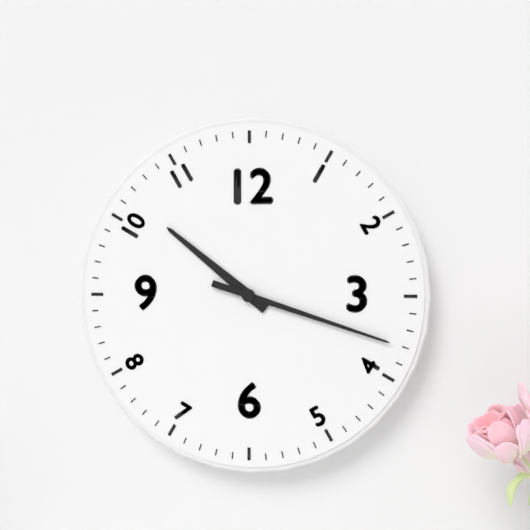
10:18
